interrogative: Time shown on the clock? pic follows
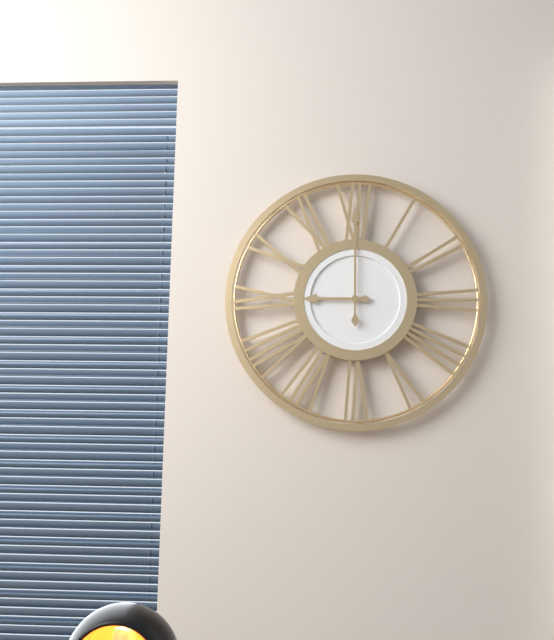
9:00
